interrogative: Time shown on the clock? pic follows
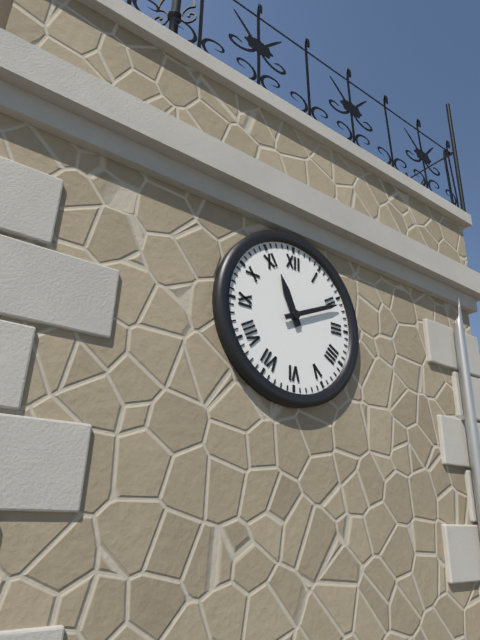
11:11
